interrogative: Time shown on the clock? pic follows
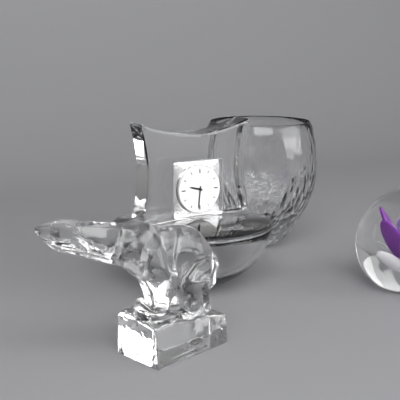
9:31
